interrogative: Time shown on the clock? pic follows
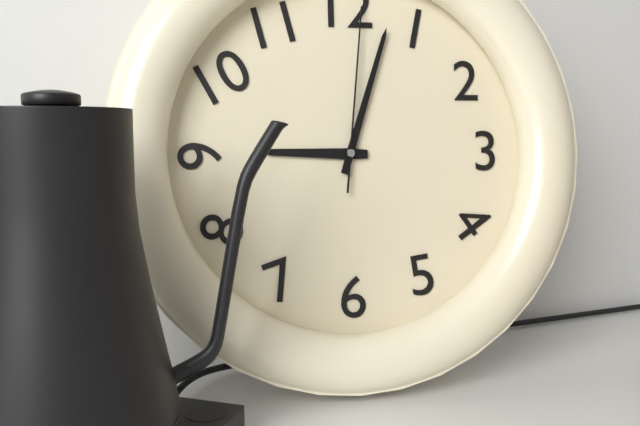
9:03:01
